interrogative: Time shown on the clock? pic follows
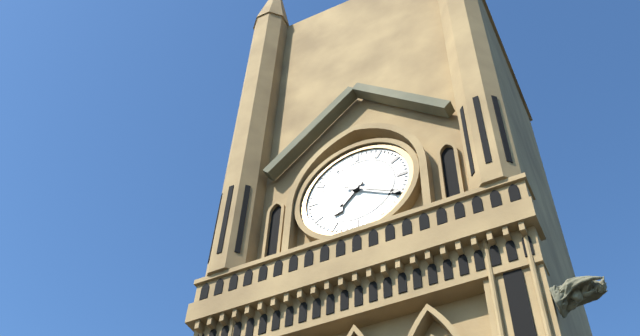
7:20
